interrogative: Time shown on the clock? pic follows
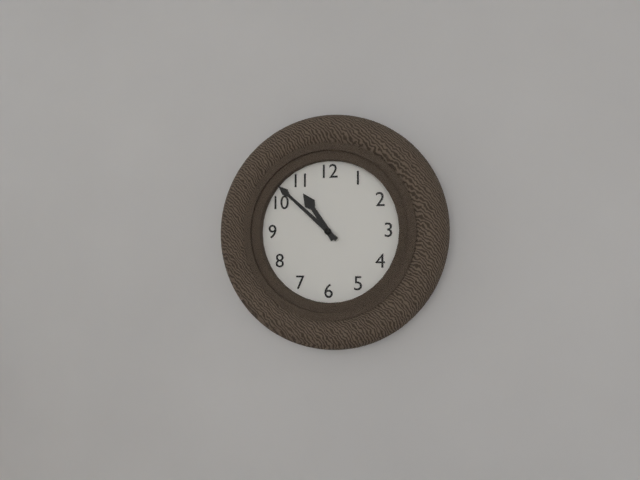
10:52
